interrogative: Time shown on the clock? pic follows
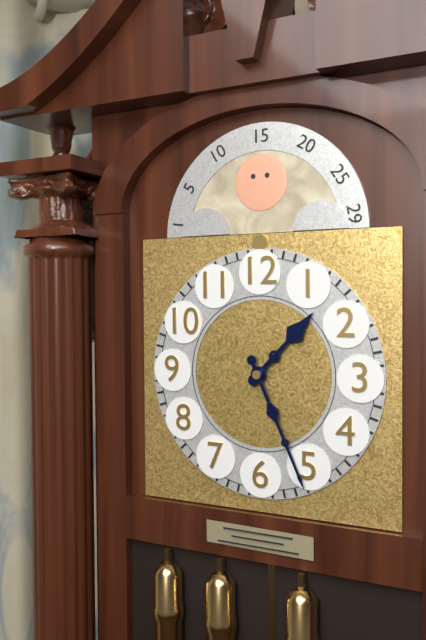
1:26
